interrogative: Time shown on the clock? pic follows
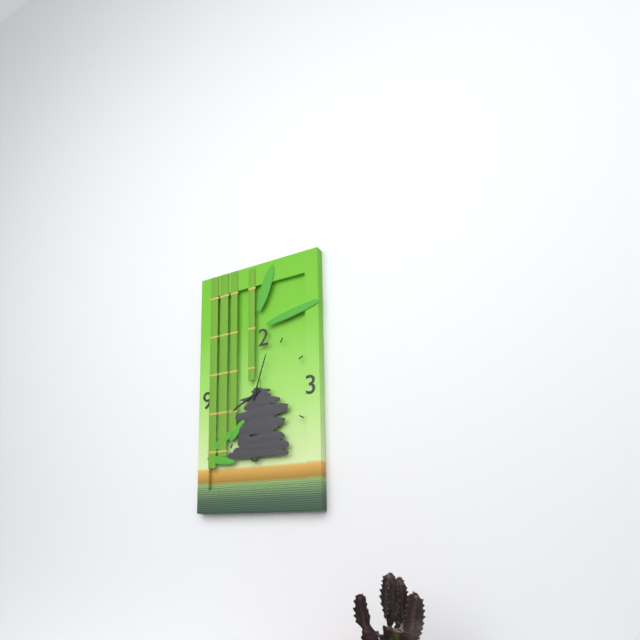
8:03
